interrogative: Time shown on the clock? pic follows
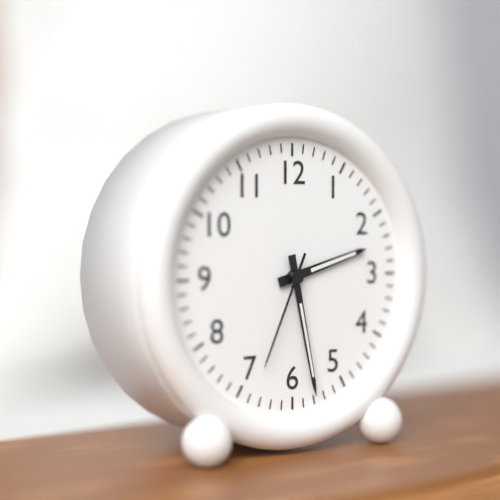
2:28:34
